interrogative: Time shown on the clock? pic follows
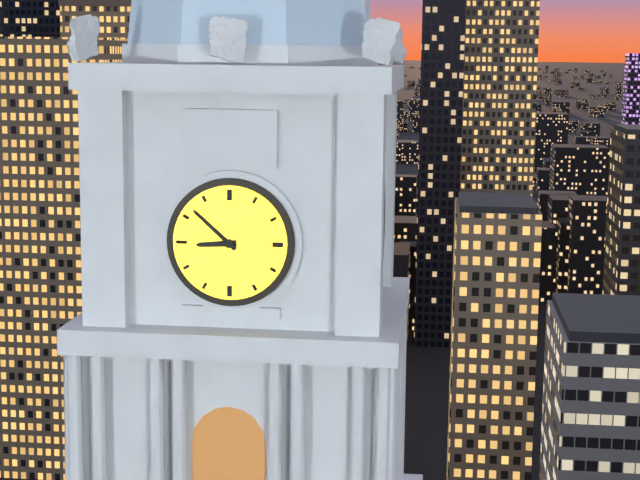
8:52
